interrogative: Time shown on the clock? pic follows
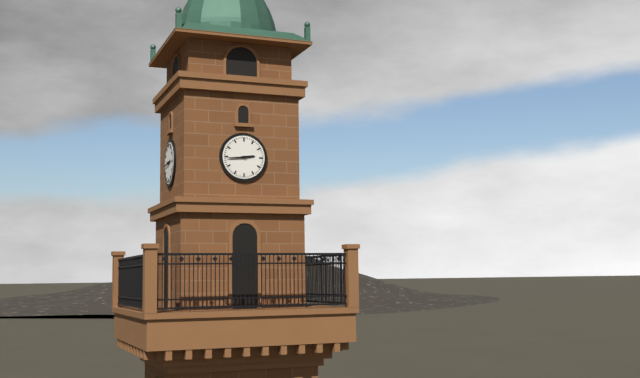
2:44
